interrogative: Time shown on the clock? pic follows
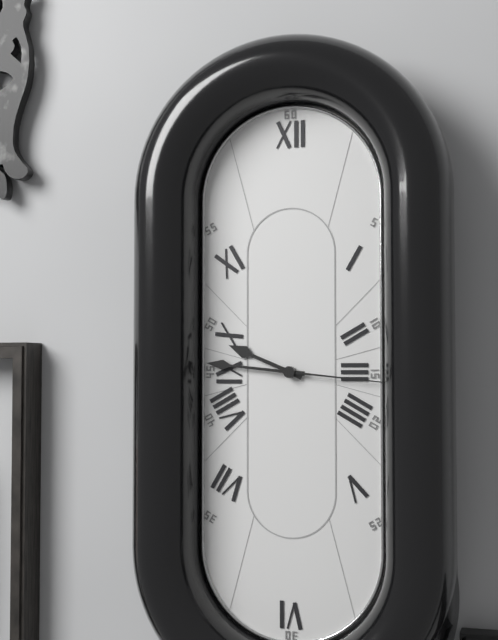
9:46:16
